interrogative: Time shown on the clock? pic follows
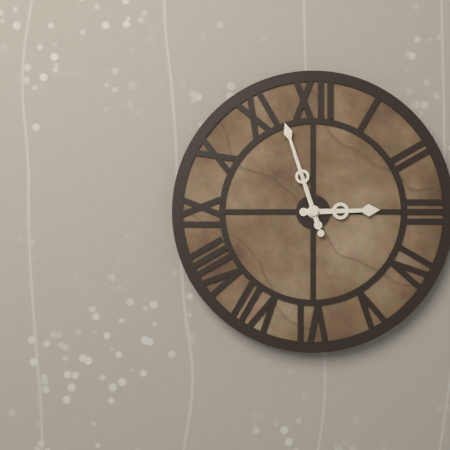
2:57:57
